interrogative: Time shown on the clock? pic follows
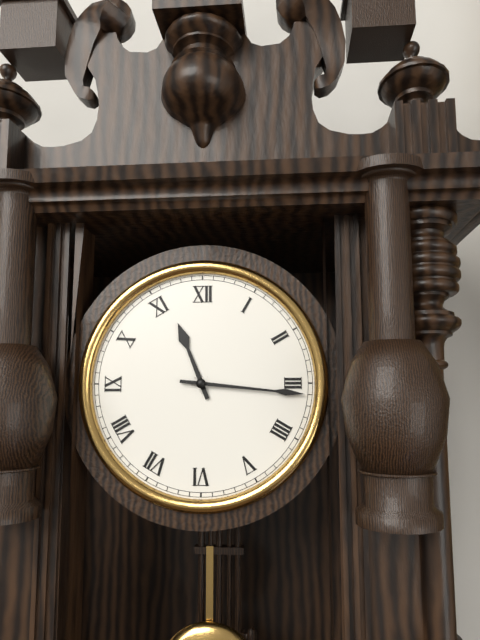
11:16
